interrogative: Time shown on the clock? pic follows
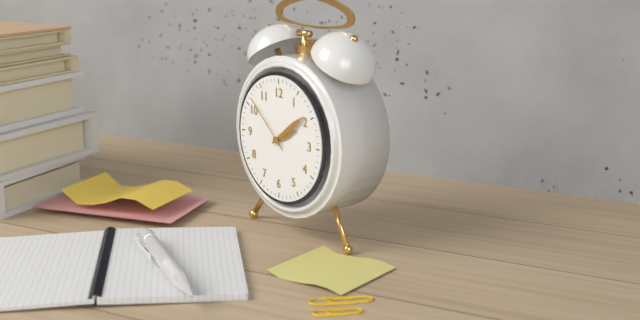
2:09:52
